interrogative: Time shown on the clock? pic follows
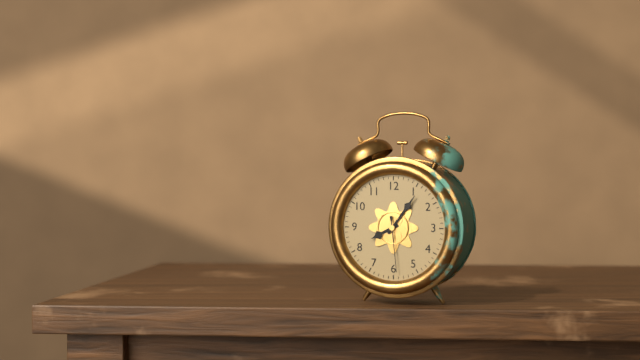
8:06:29
